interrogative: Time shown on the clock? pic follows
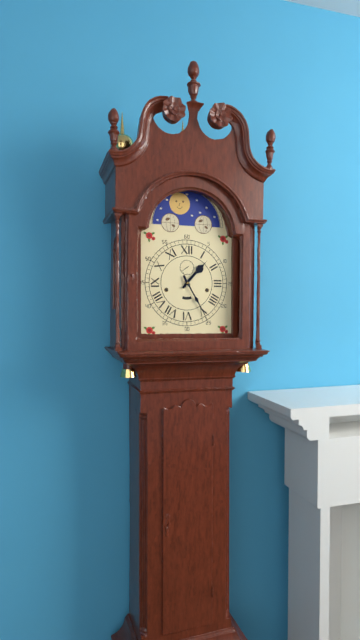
1:25
